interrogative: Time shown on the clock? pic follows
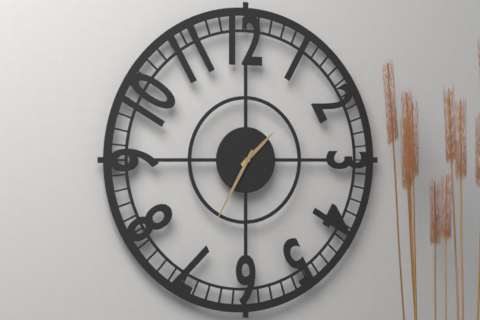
1:35
